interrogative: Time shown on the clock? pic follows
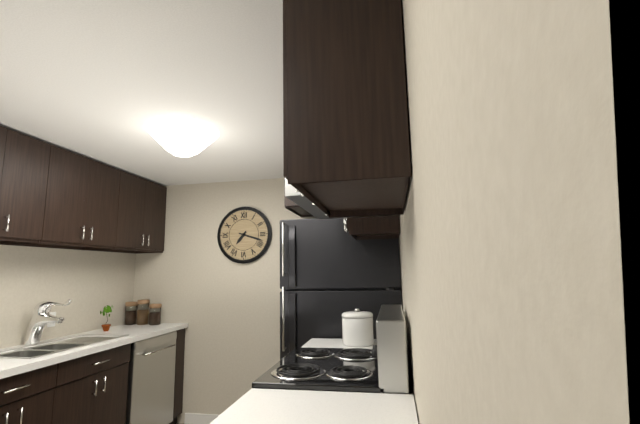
7:18
